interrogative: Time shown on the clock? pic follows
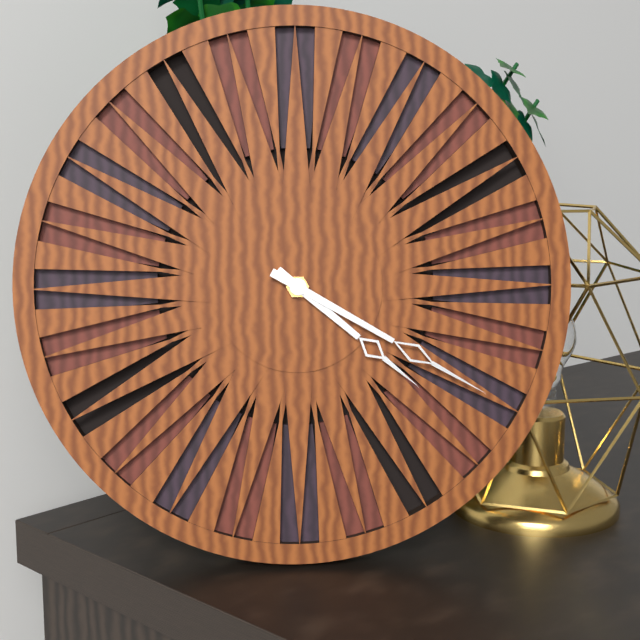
4:20
